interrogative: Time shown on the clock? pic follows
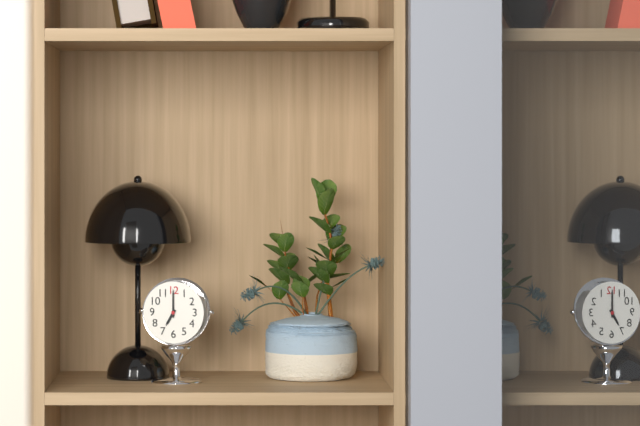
7:00
